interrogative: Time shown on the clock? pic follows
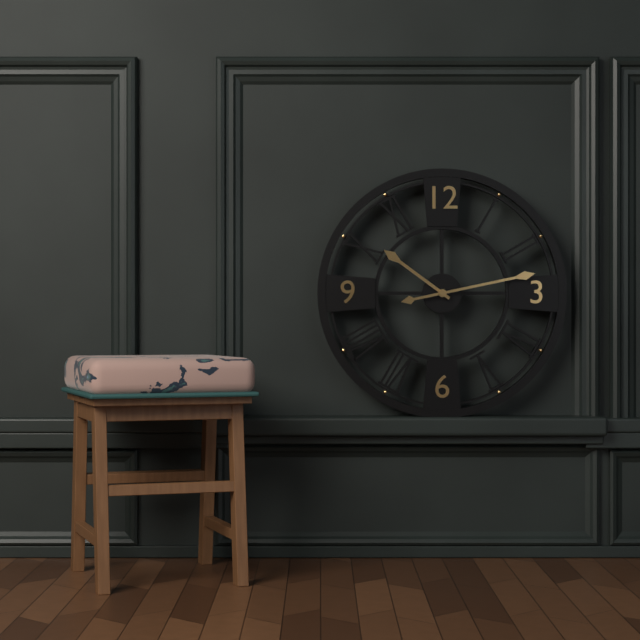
10:13
